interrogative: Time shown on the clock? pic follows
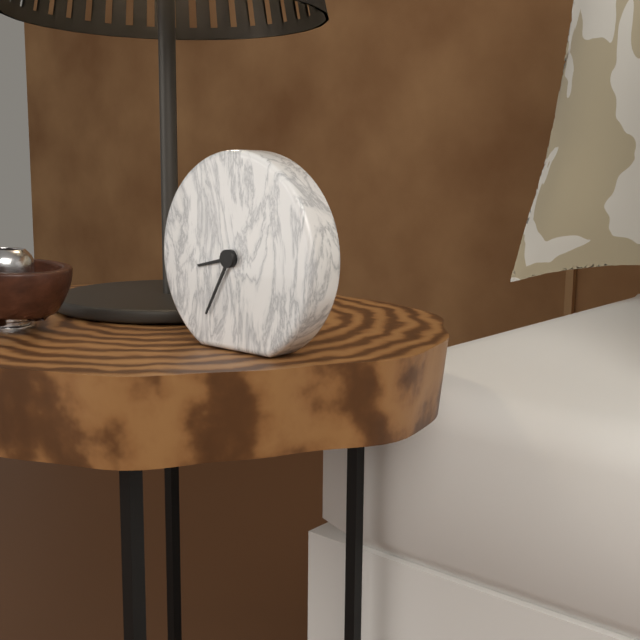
8:35
